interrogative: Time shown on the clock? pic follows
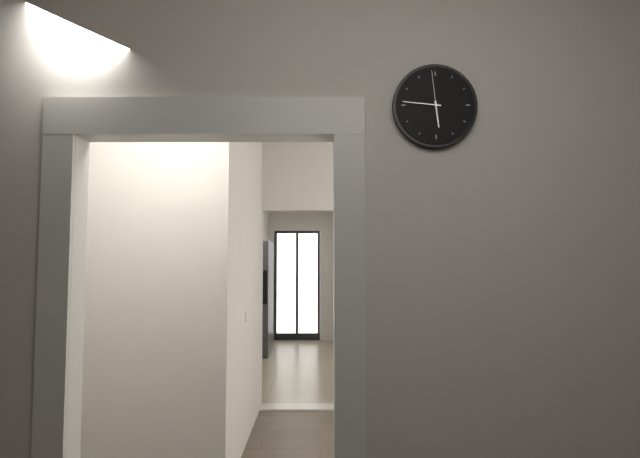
5:46
